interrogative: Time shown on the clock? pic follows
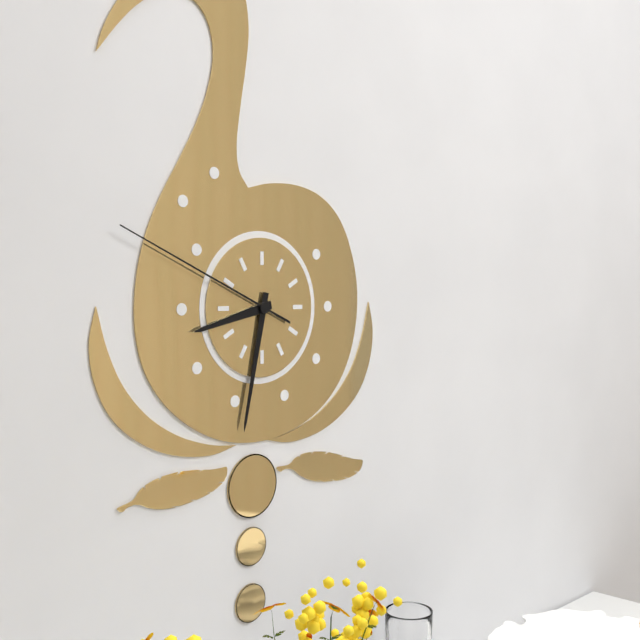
8:32:49
